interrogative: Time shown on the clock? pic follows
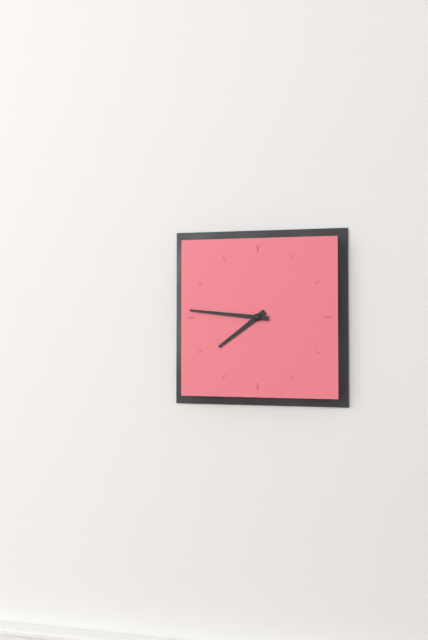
7:46
